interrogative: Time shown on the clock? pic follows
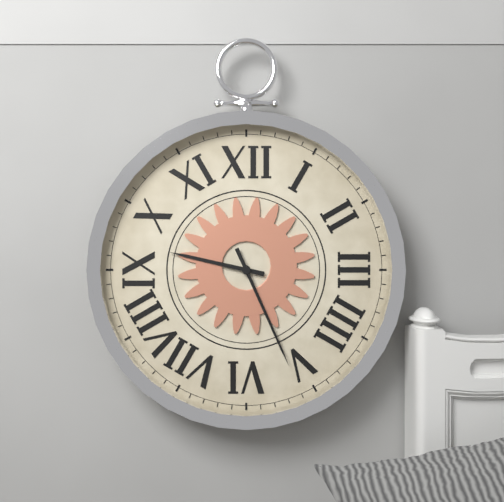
9:26
